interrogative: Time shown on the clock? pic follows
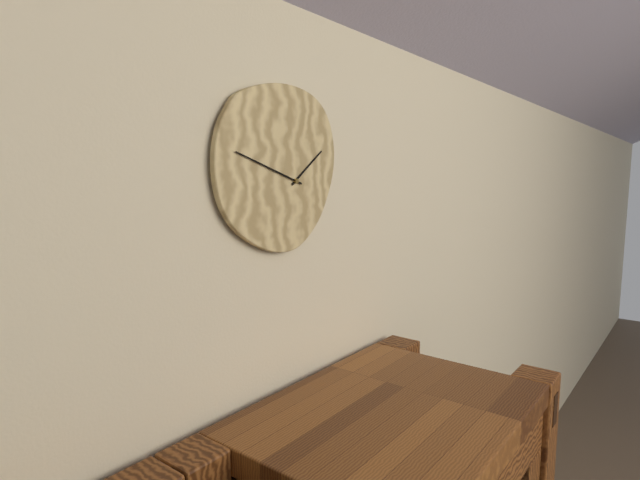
1:48
